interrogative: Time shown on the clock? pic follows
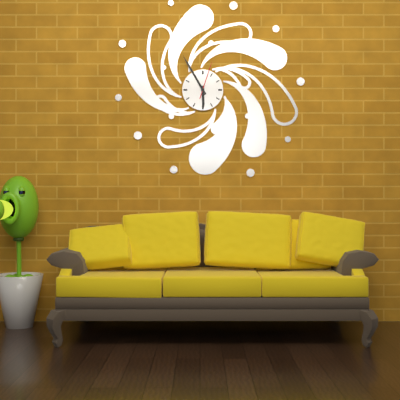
5:55
